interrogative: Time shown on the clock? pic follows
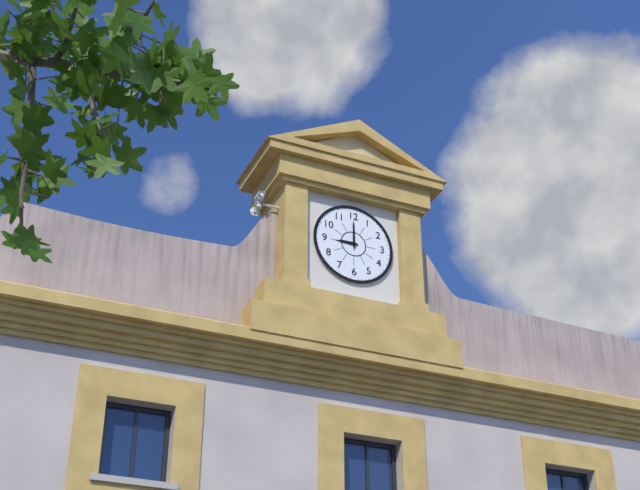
9:00
